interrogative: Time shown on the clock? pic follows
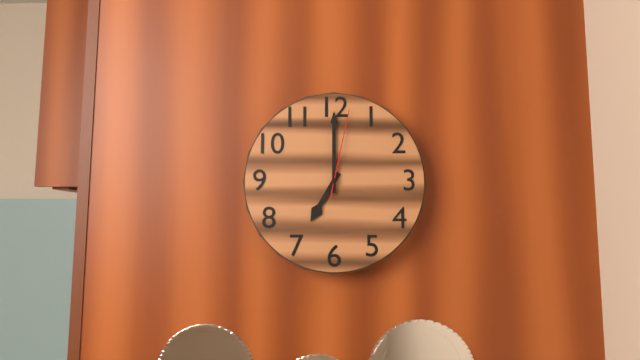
7:00:02
